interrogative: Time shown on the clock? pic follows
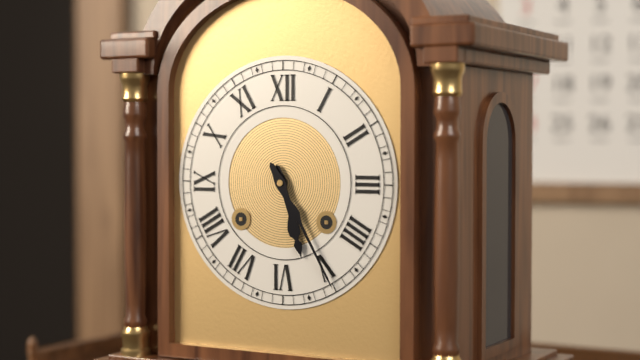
5:25
